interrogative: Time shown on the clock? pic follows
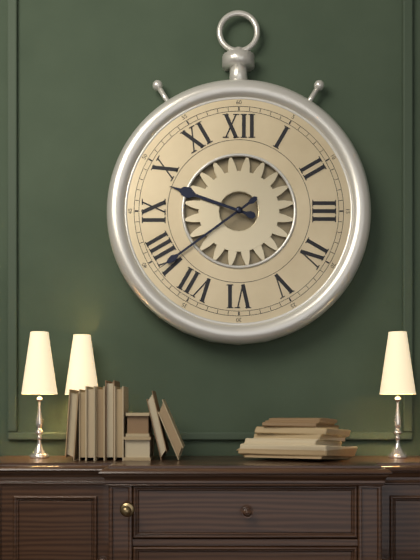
9:39
